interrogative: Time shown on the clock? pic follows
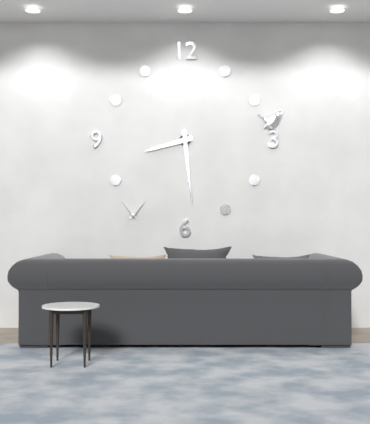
8:29
